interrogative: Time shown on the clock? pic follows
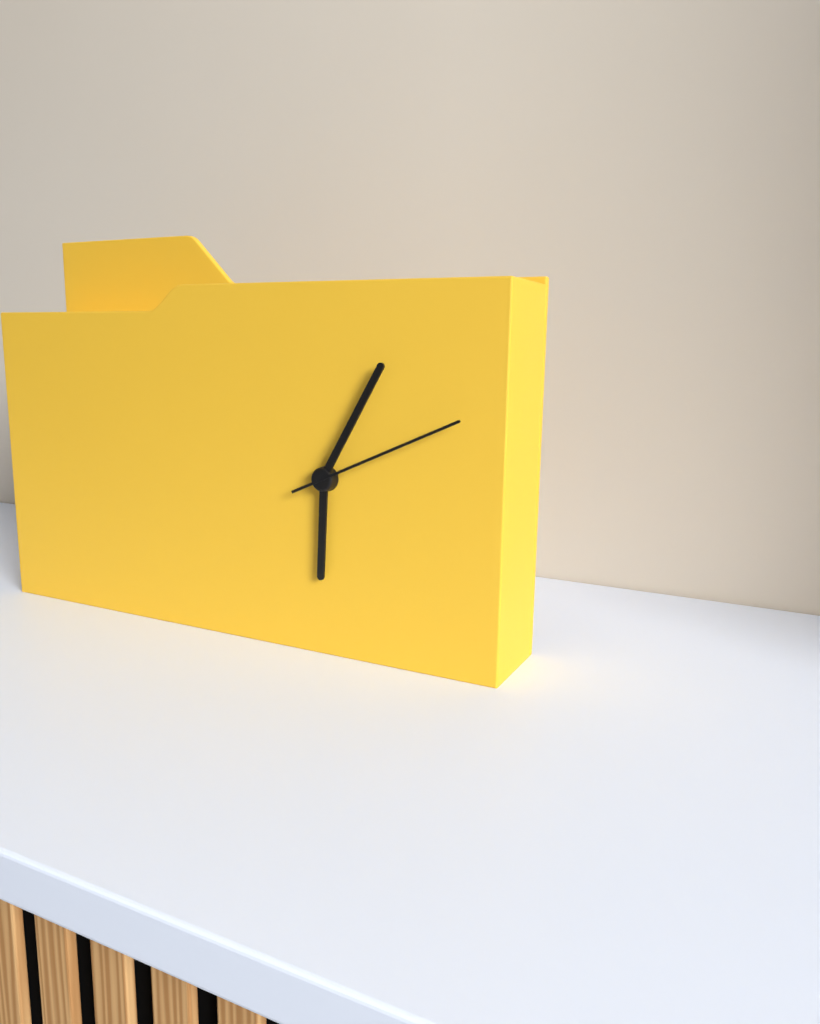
6:05:11
